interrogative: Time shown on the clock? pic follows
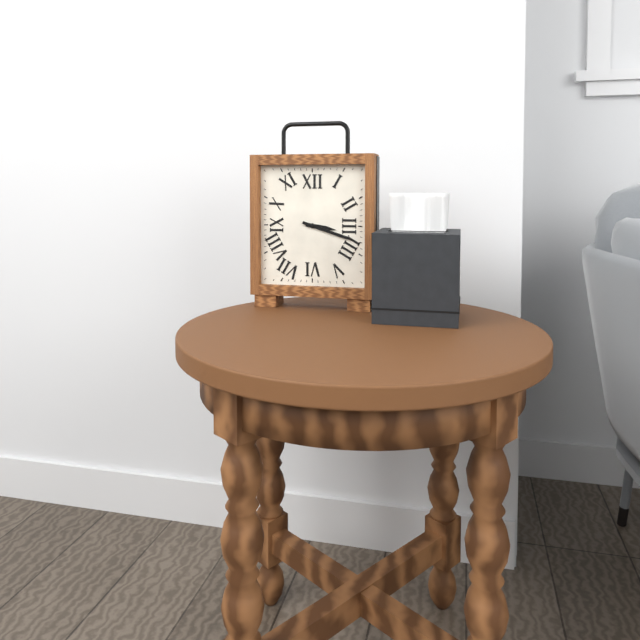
3:18
